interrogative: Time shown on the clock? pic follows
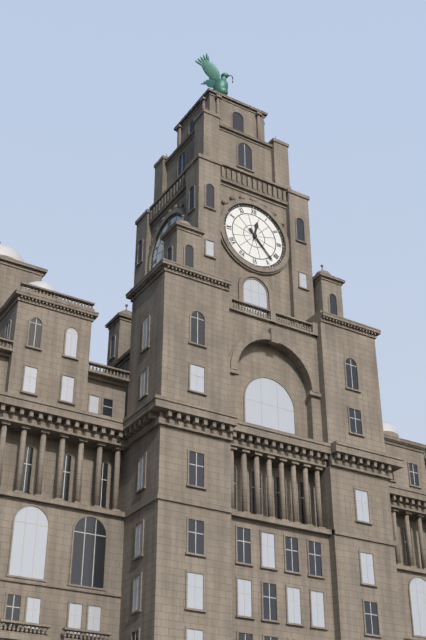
12:23
